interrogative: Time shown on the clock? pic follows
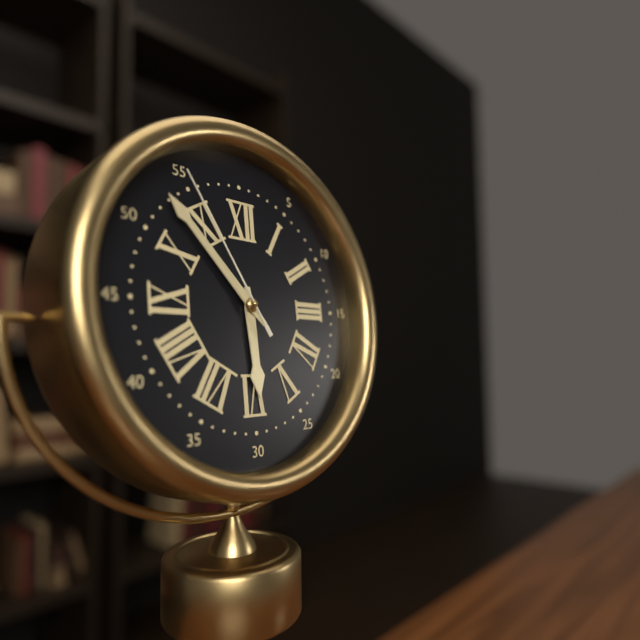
5:53:55
